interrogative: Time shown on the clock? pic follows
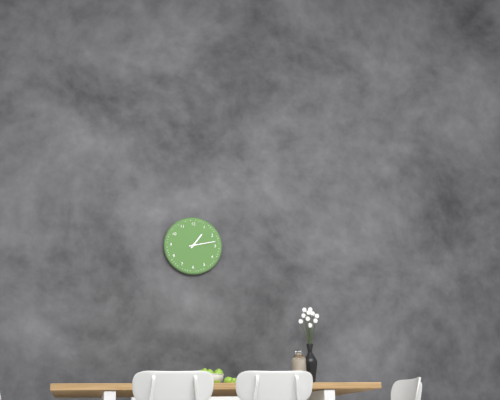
1:13
